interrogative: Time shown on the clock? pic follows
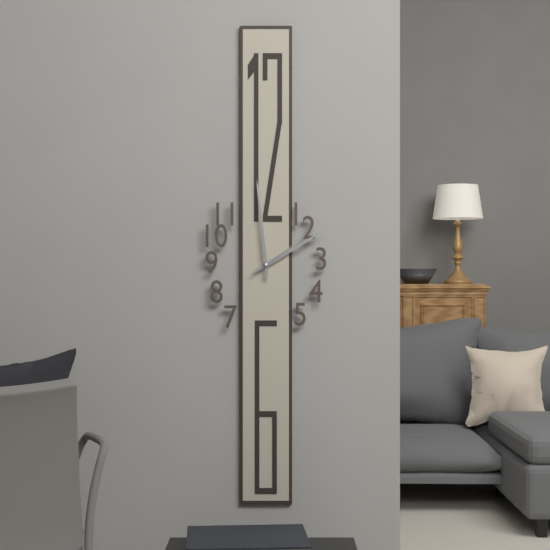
1:59
